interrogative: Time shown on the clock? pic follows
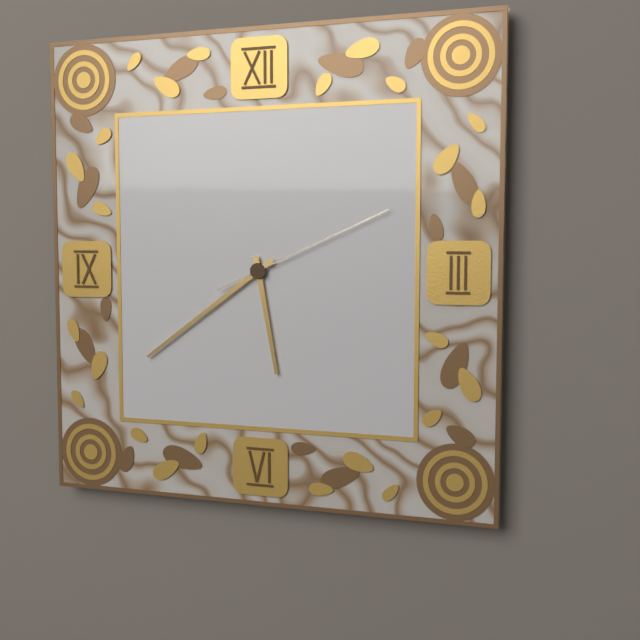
5:39:11
